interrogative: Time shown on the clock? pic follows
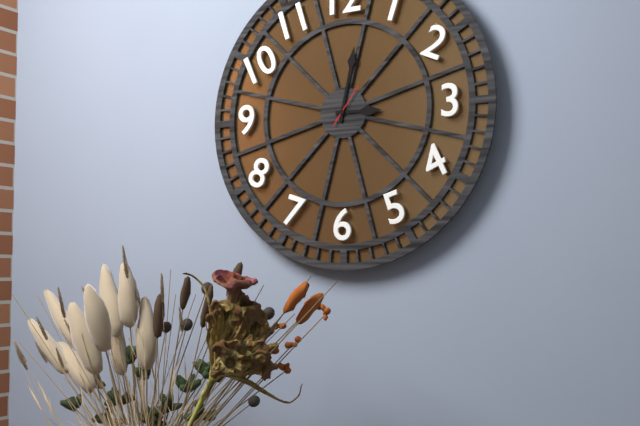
3:02
